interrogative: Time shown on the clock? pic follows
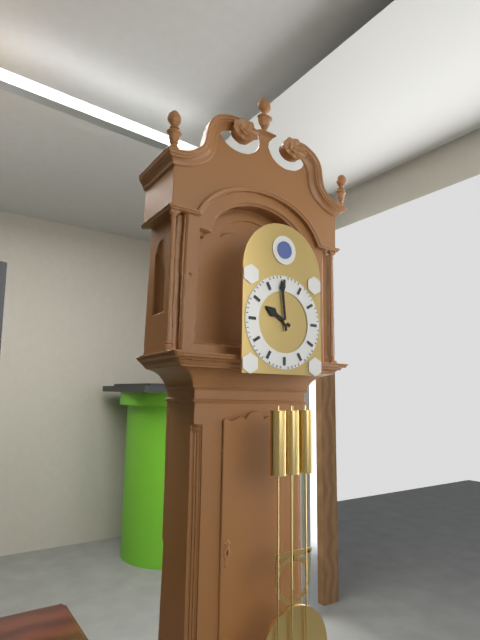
9:59
